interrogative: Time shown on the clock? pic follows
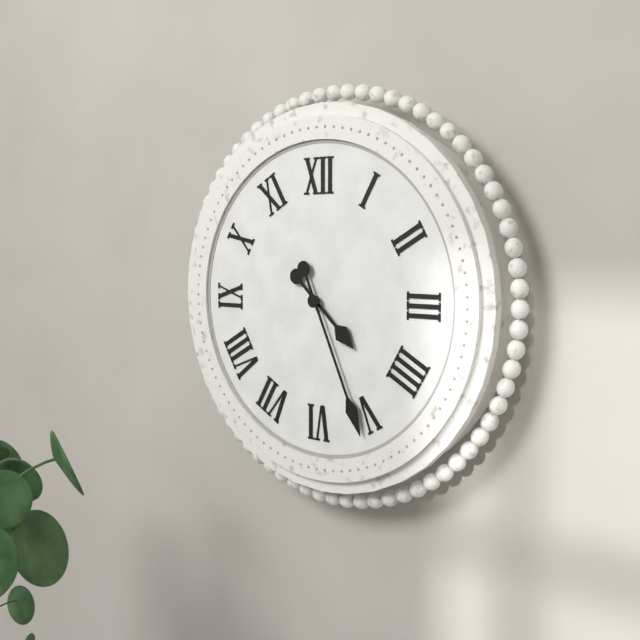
4:26
